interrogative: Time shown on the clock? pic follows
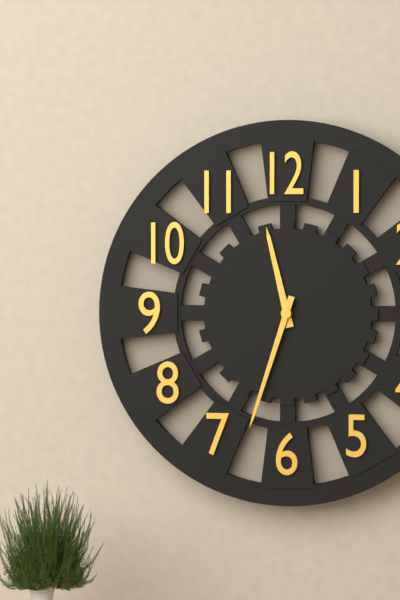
11:33
